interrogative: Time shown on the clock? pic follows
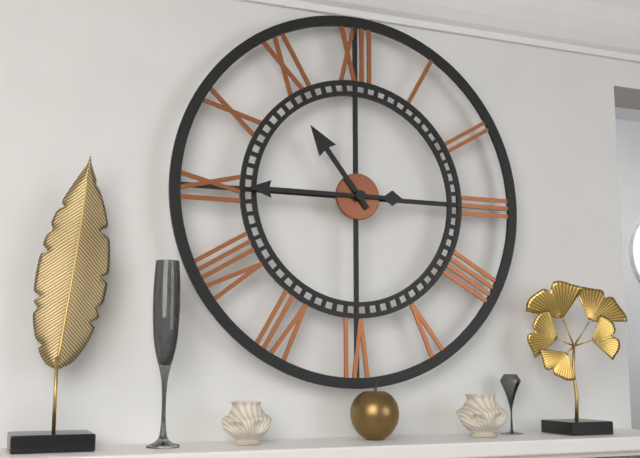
10:45
